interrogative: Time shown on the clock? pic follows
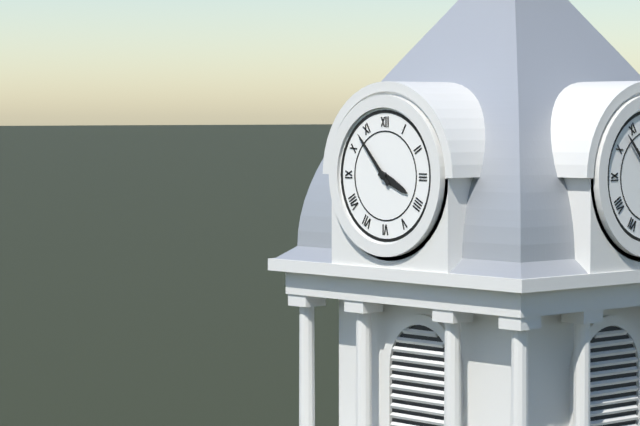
3:53
